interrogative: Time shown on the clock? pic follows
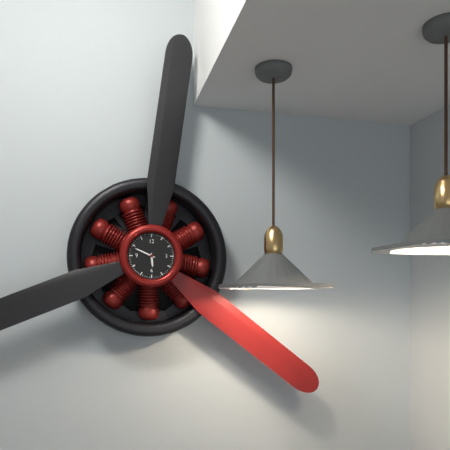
5:49
